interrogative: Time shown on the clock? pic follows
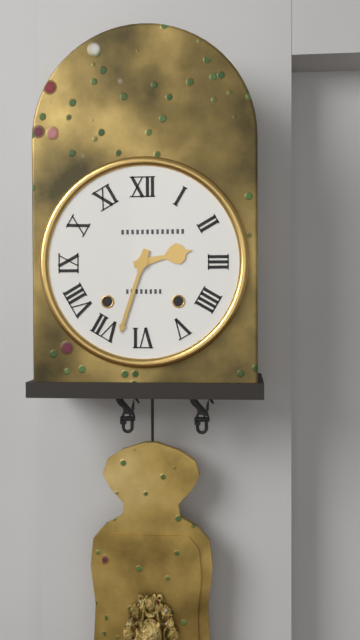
2:33
